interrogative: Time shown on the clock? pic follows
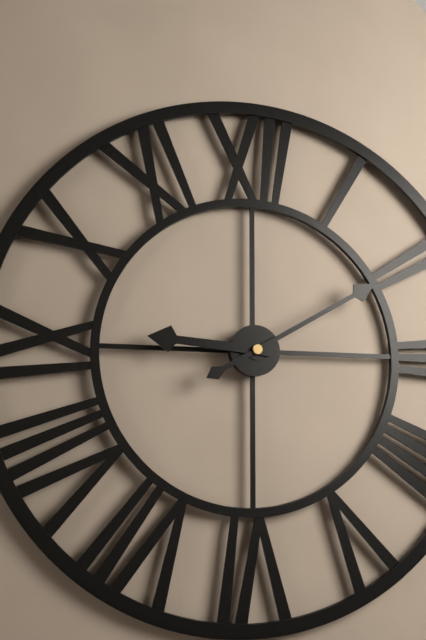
9:10
